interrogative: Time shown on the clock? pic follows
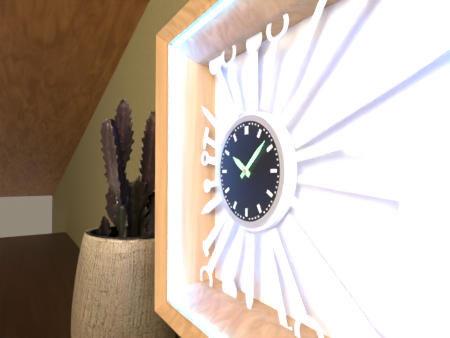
10:08
